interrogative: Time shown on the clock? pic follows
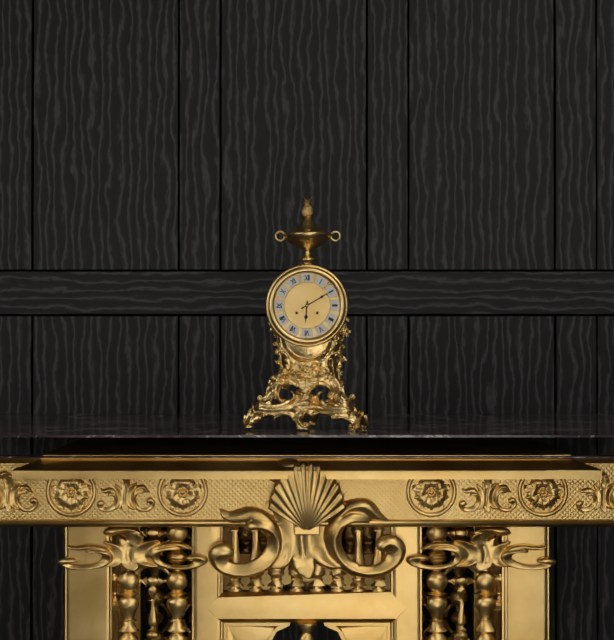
6:10
